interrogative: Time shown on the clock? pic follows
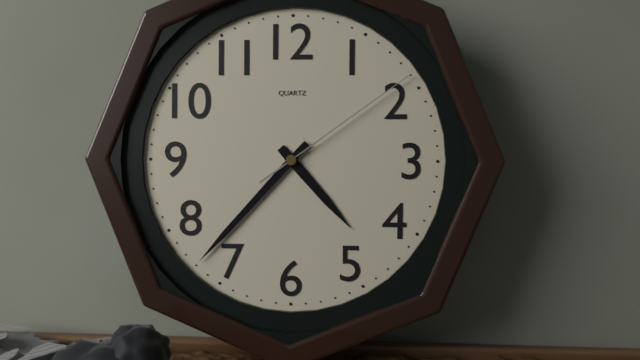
4:37:09
